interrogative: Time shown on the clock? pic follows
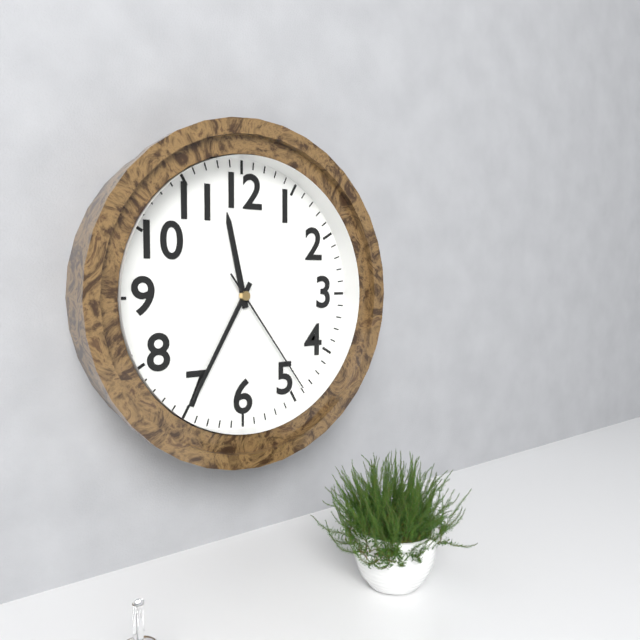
11:35:24
